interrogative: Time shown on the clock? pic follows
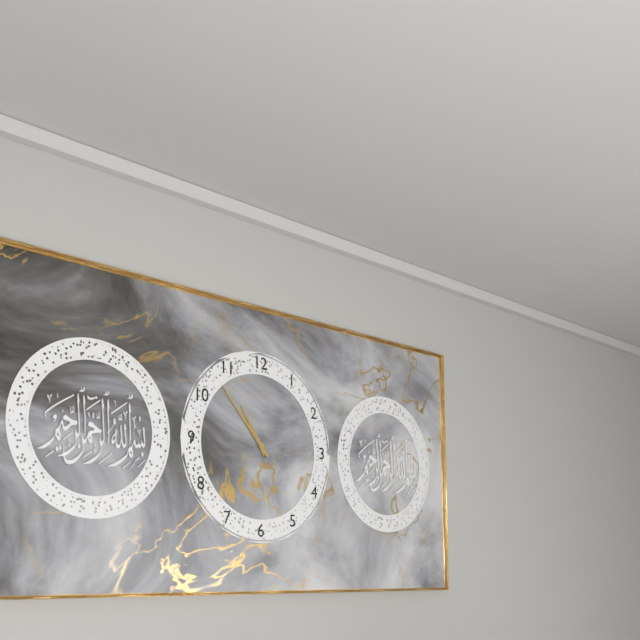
10:53
